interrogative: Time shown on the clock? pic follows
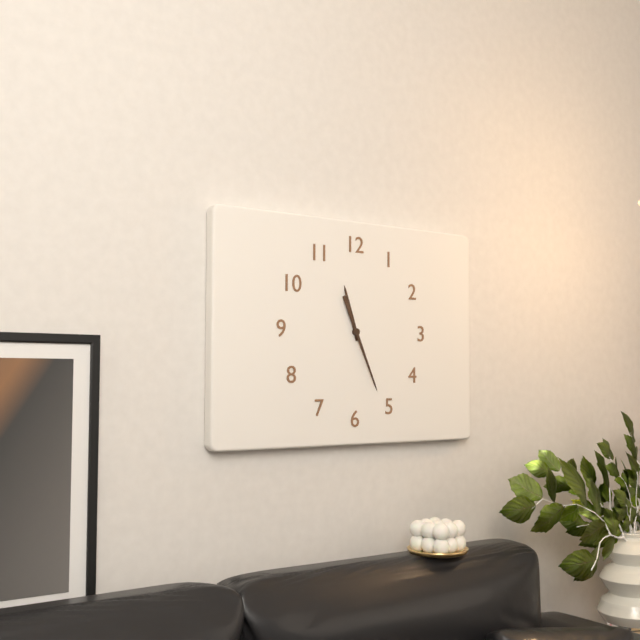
11:26
